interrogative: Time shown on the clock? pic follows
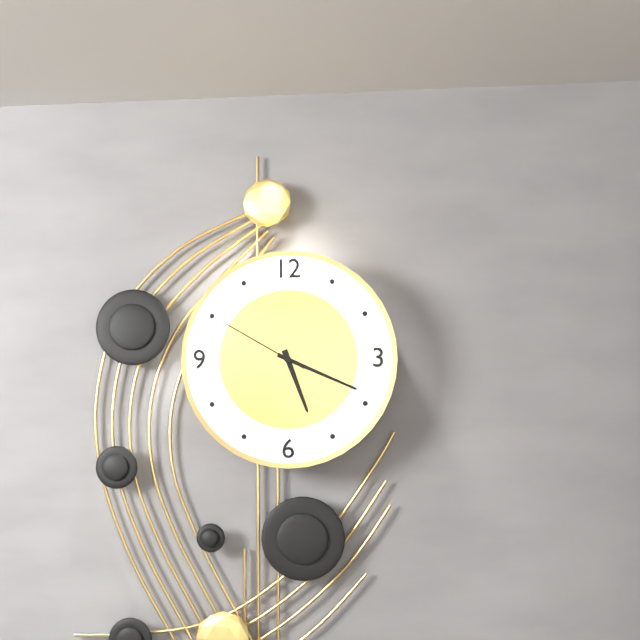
5:19:50
